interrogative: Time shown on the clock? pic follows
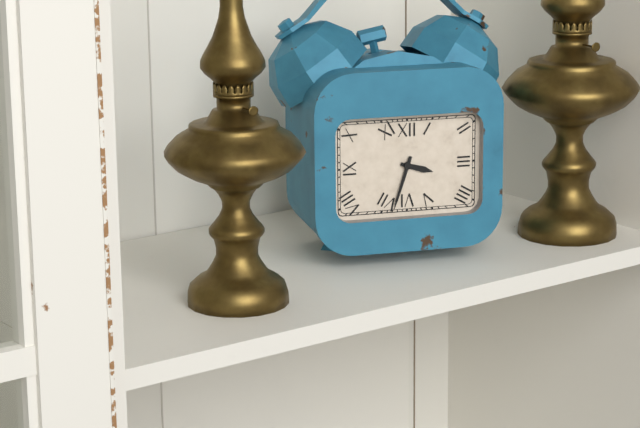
3:33
